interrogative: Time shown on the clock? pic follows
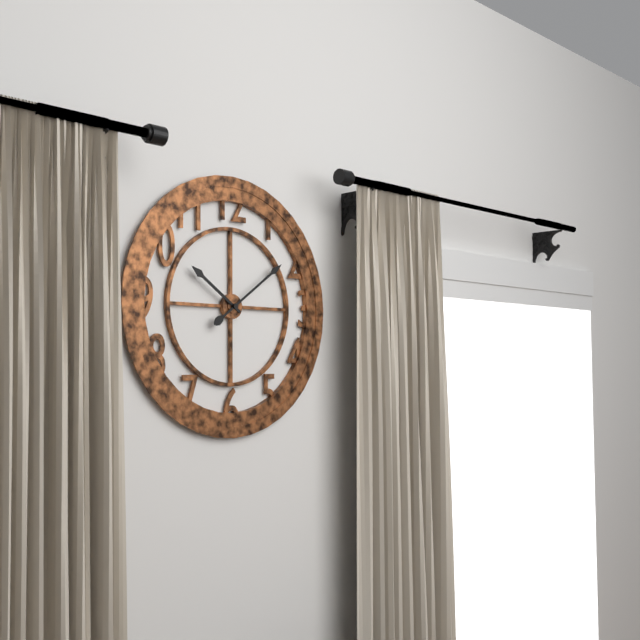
10:09
